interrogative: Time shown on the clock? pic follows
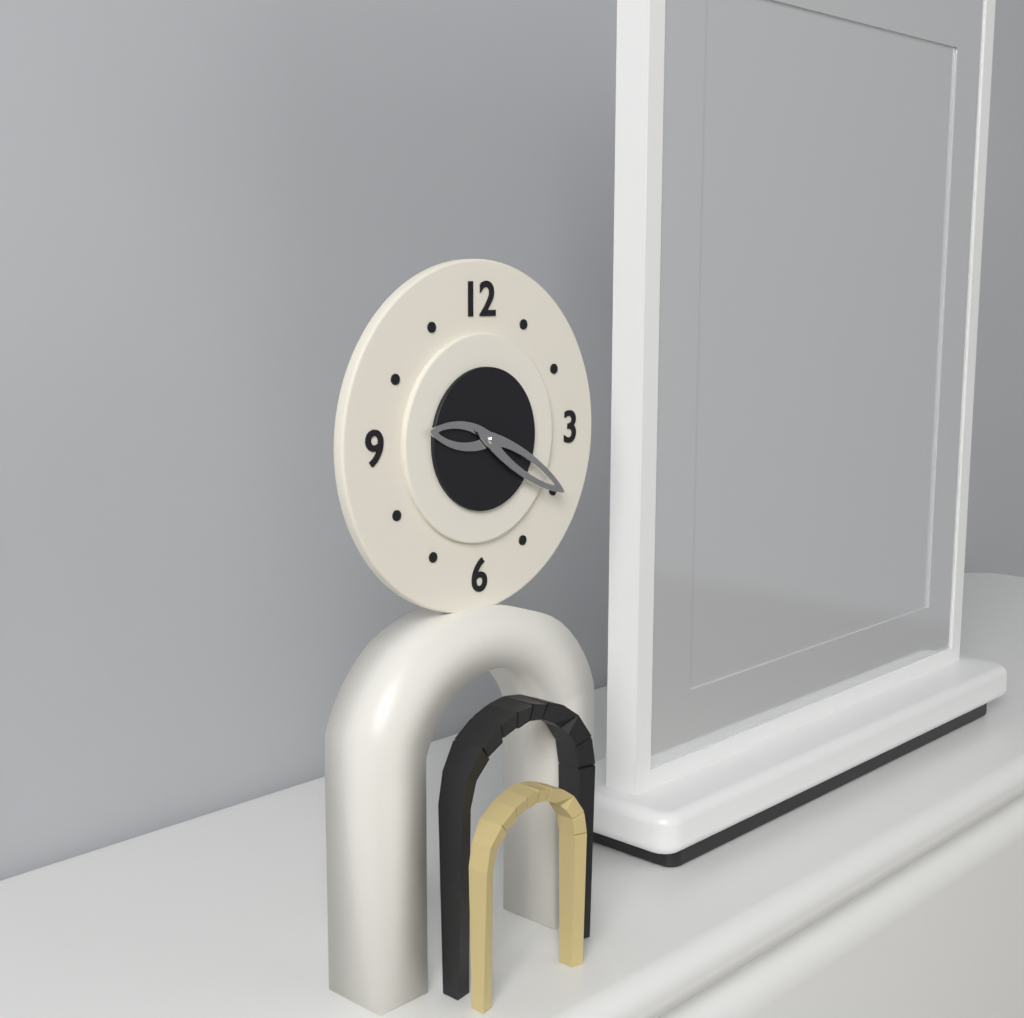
9:20
